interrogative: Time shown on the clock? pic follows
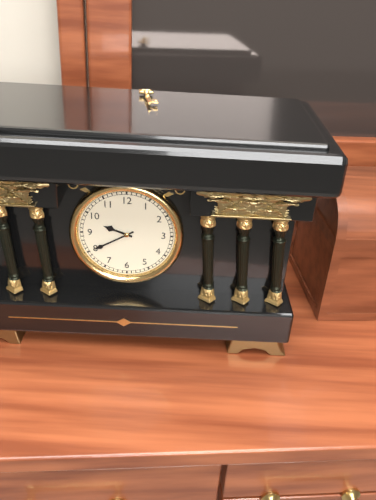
9:40
